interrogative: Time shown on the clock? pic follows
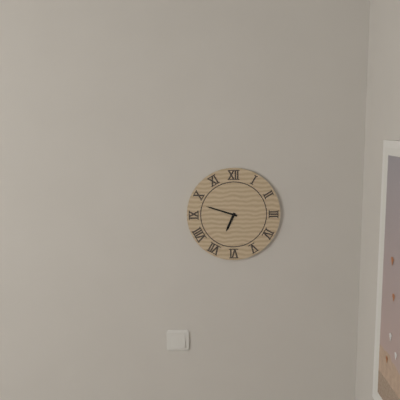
6:48
